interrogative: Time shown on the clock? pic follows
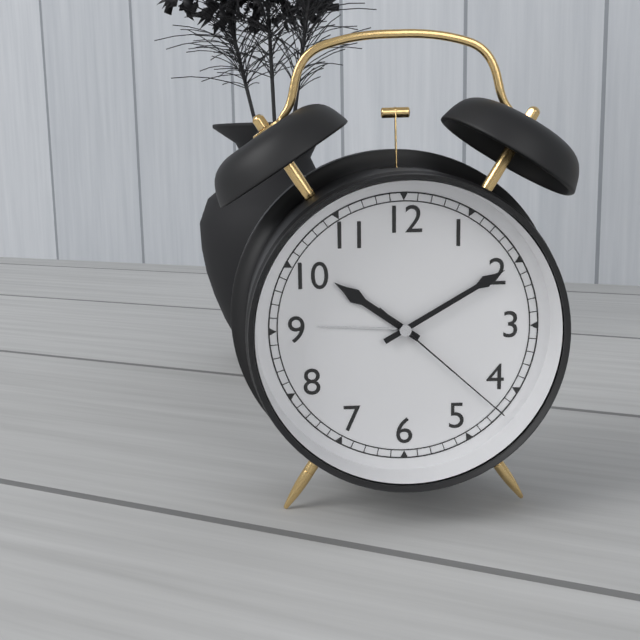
10:10:22
